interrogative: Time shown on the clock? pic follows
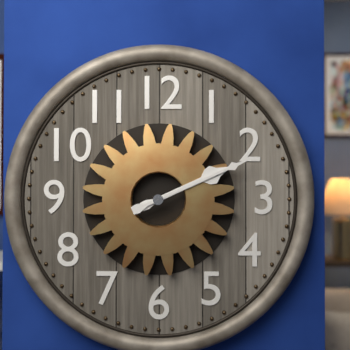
2:11
